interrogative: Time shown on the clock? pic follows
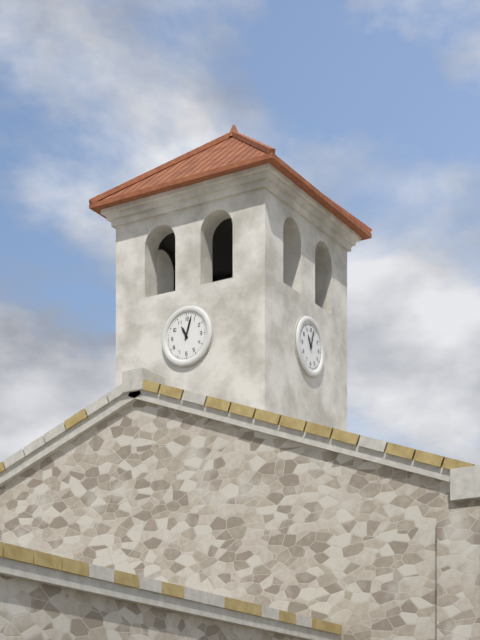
11:03
